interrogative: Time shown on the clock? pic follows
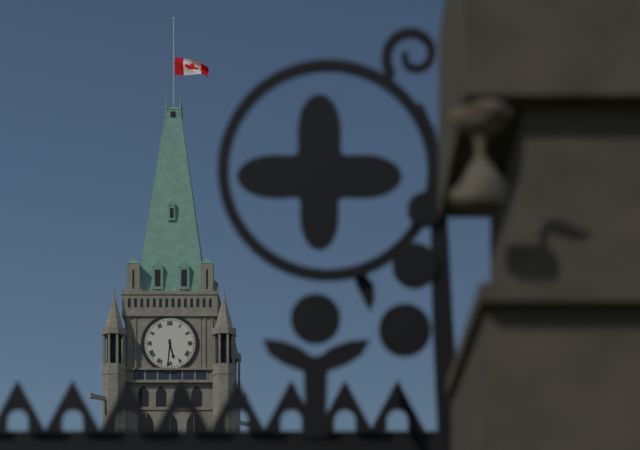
5:31
